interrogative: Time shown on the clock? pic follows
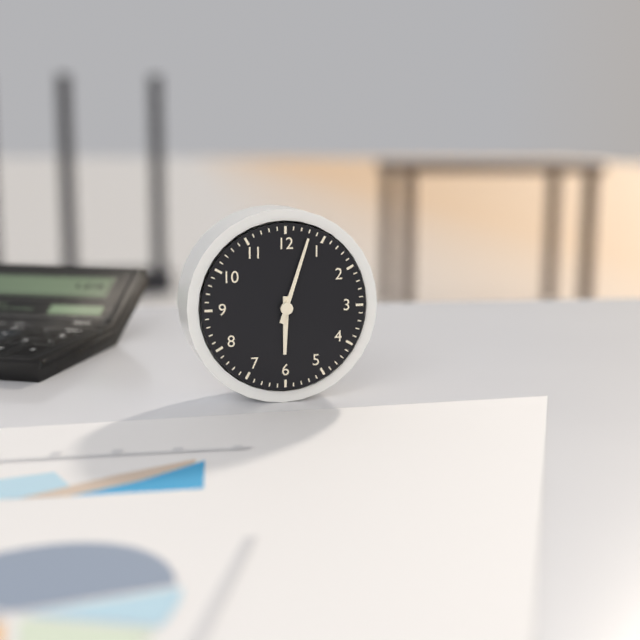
6:03
